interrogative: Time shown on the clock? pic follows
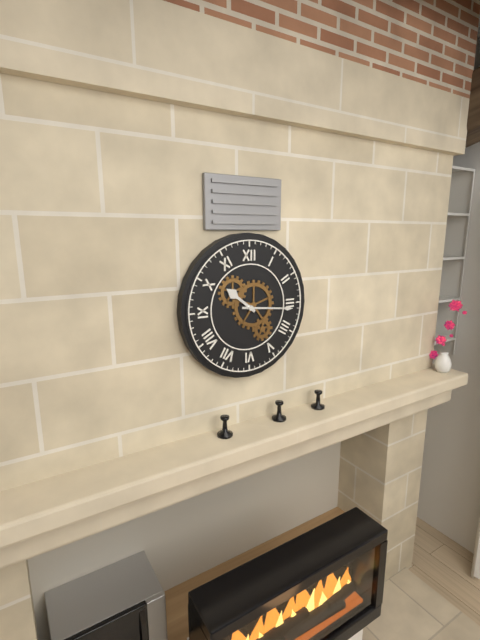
10:16
